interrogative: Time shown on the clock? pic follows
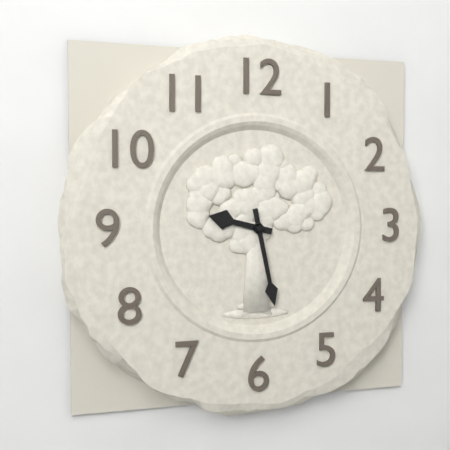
9:28
